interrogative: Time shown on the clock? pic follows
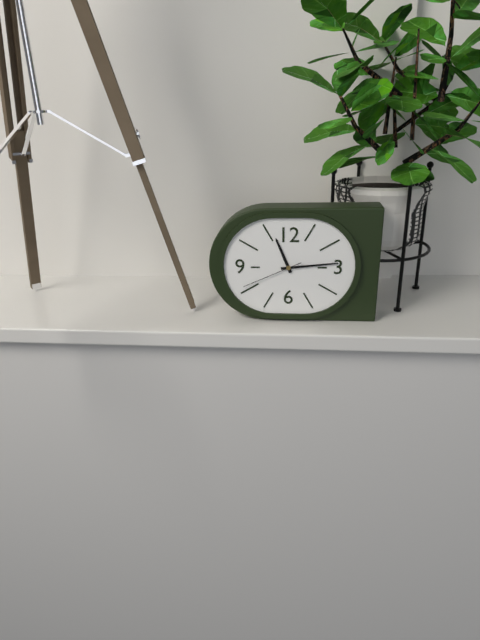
11:14:41
